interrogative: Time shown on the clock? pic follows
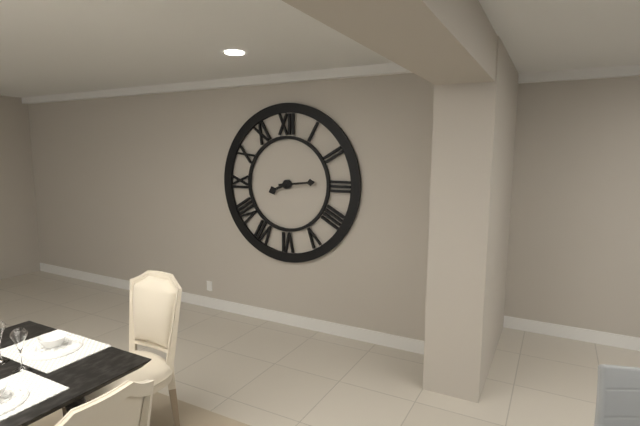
8:14
